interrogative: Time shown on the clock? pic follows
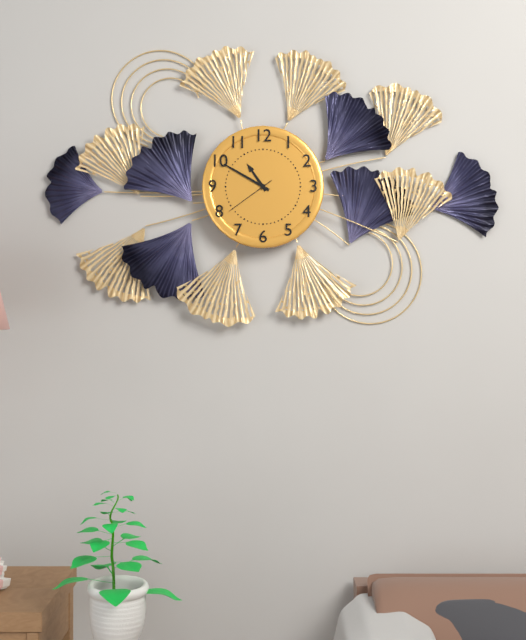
10:50:39
